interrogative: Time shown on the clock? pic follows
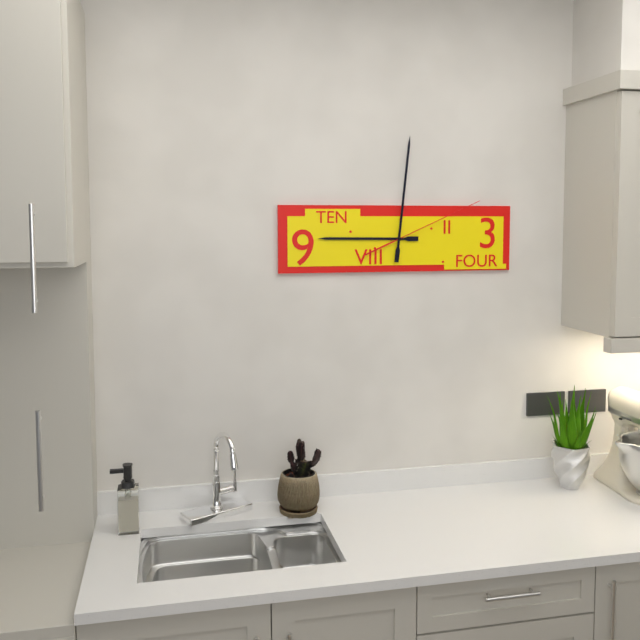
9:01:11
